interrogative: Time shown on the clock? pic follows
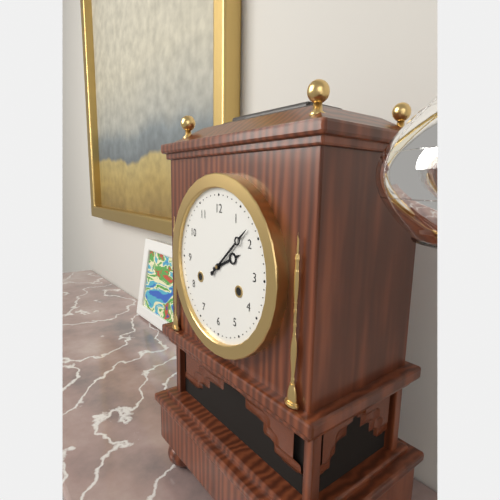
2:08
